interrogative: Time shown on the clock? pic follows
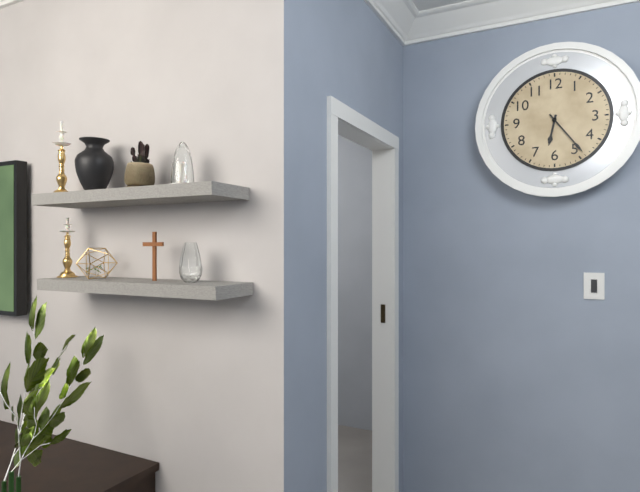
6:24
